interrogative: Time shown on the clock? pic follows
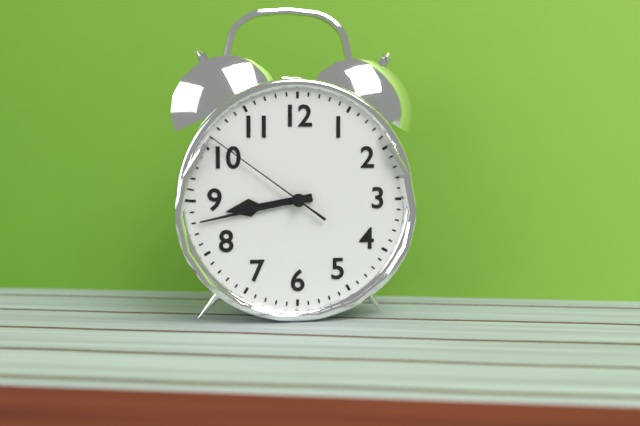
8:43:51
